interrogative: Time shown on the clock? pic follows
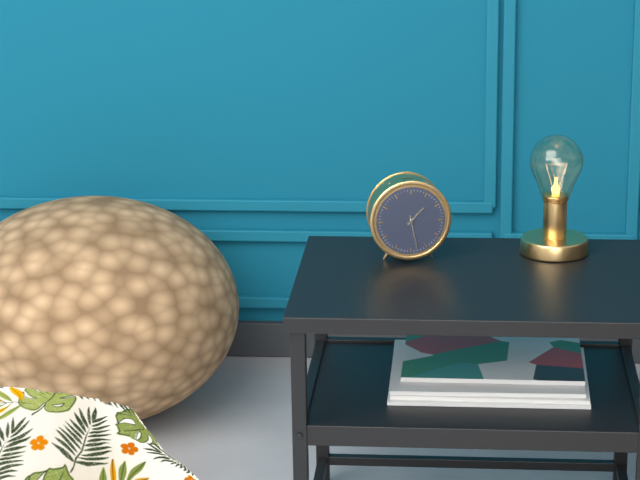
1:28
